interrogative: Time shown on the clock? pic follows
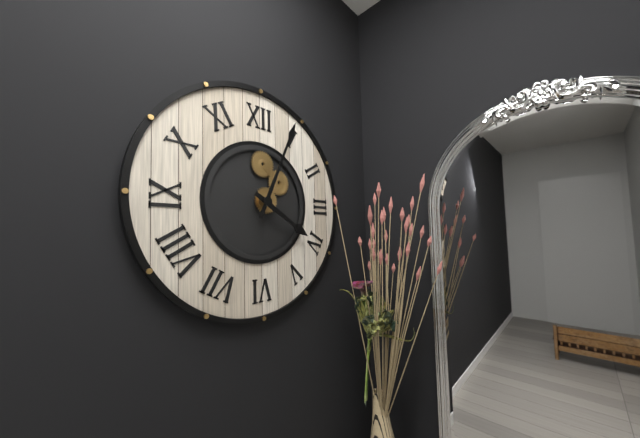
4:04
